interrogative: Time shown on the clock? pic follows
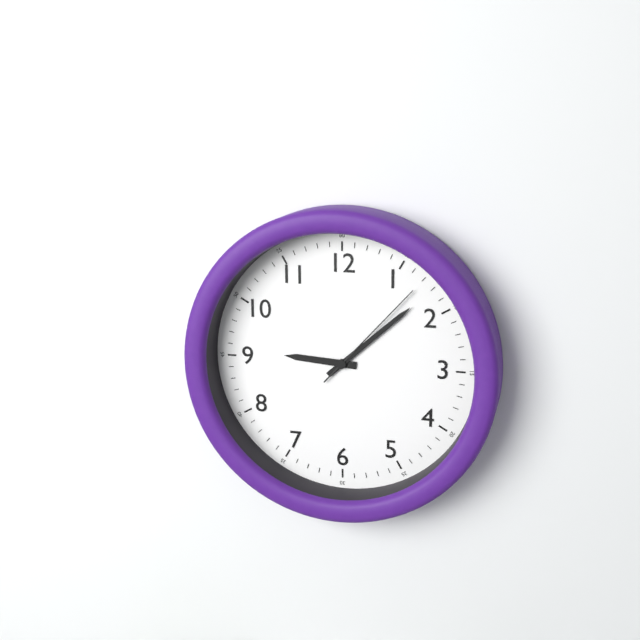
9:08:07
